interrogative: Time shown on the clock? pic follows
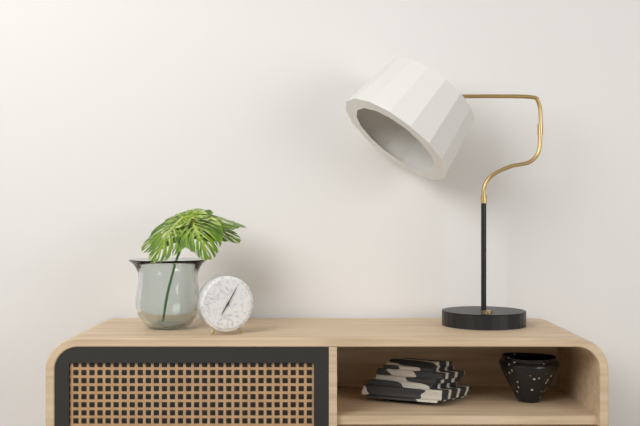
7:05
